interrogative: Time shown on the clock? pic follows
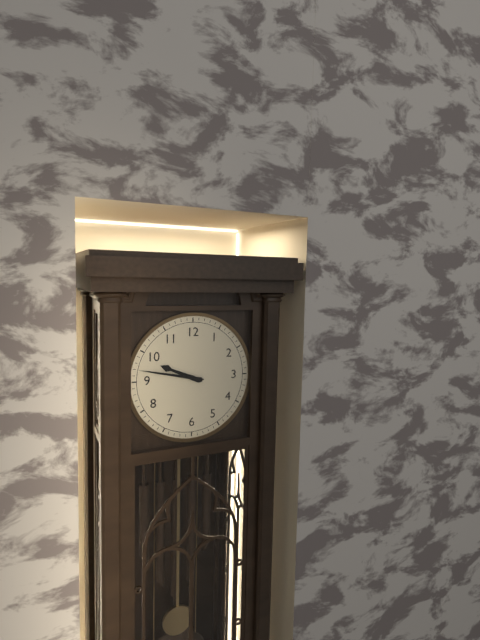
9:47
